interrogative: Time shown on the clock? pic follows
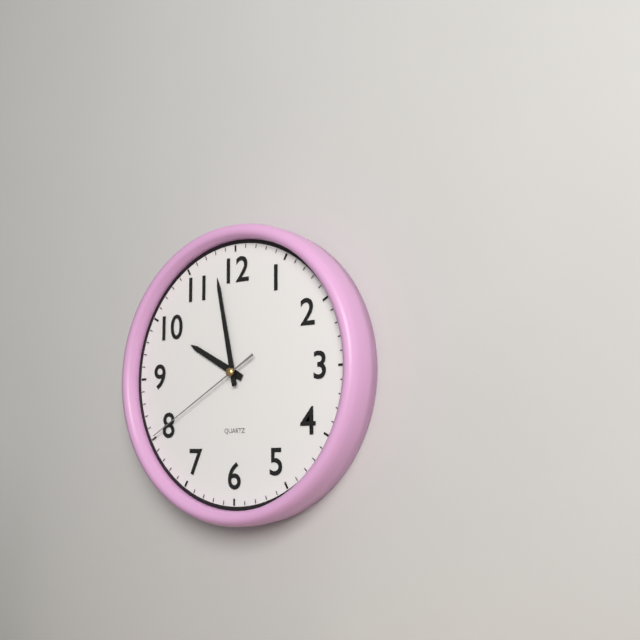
9:58:40
